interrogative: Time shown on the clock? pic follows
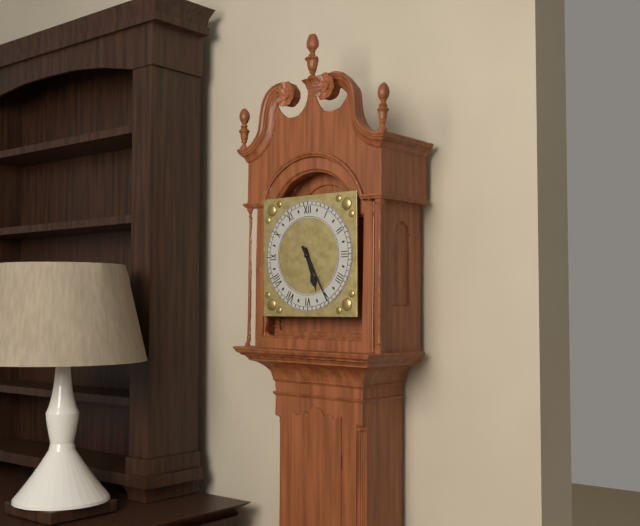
5:25
